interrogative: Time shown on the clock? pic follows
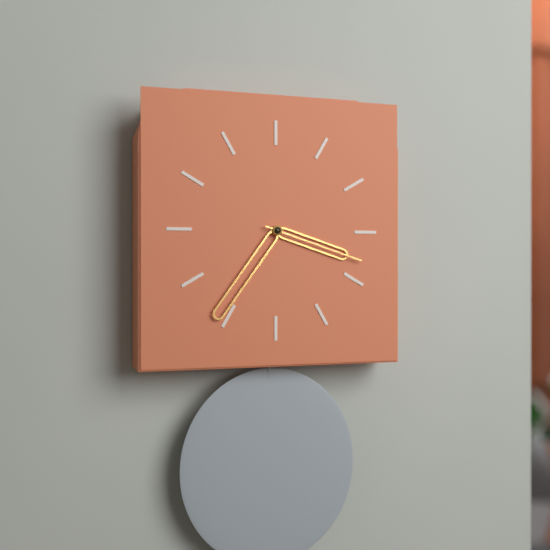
3:36:18
